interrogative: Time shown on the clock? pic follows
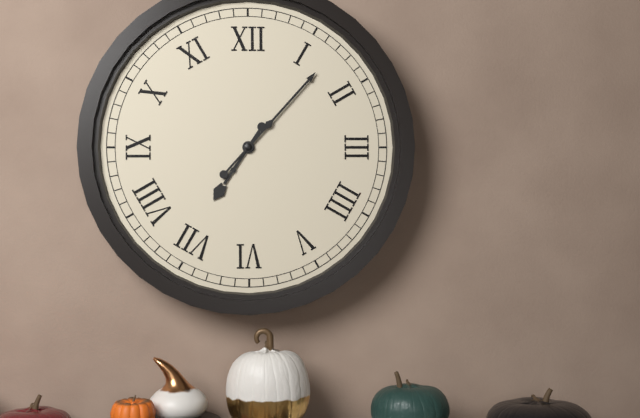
7:07
